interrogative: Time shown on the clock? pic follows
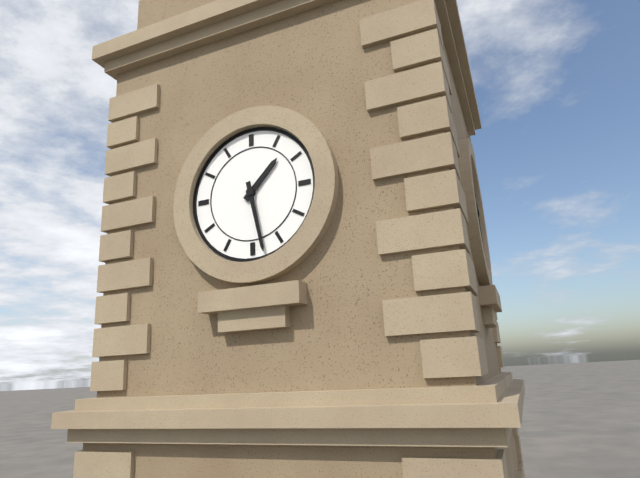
1:28
